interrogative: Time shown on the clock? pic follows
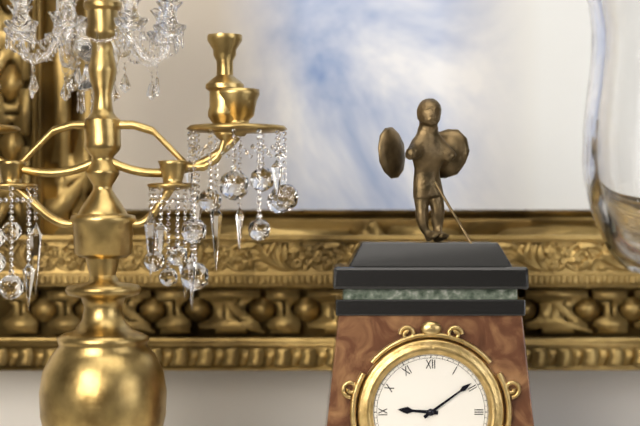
9:09
